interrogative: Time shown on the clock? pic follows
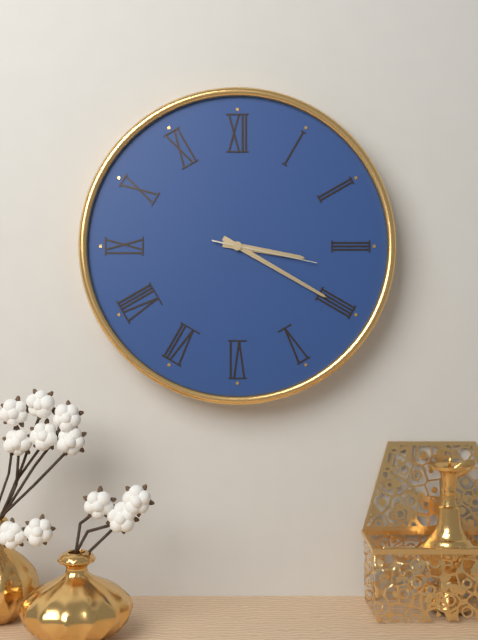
3:20:17
